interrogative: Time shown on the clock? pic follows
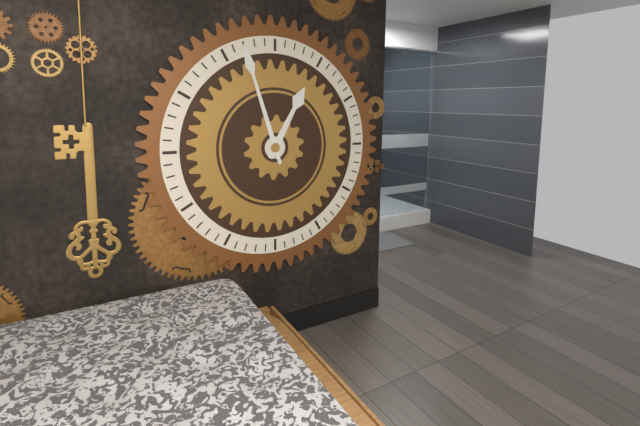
12:57
